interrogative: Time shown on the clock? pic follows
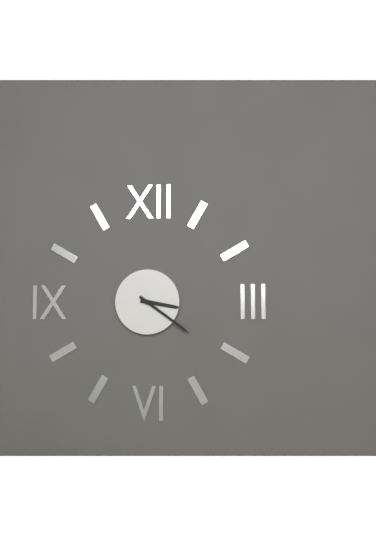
3:21
